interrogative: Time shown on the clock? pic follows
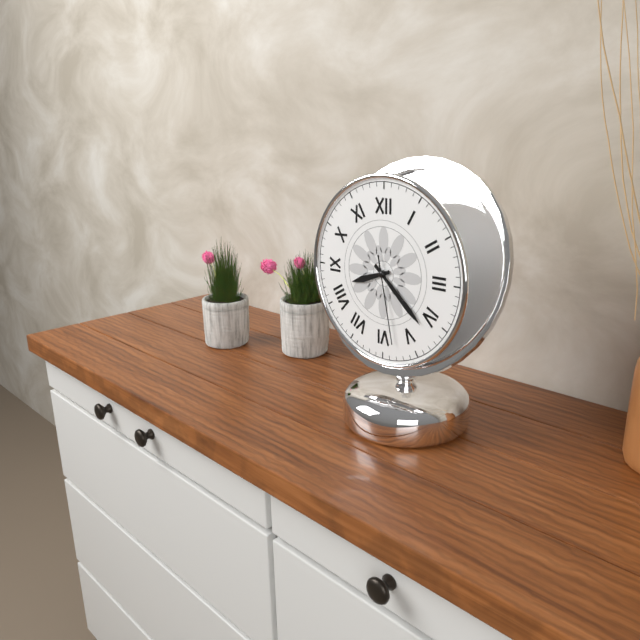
8:22:28
